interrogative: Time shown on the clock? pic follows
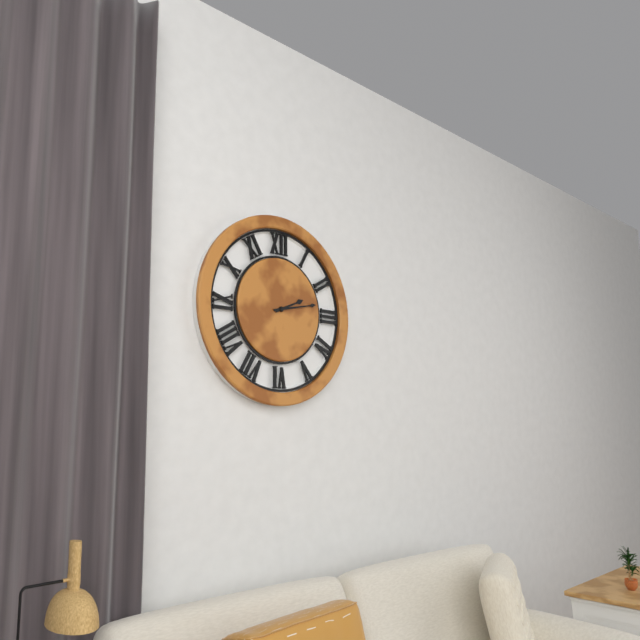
2:13
